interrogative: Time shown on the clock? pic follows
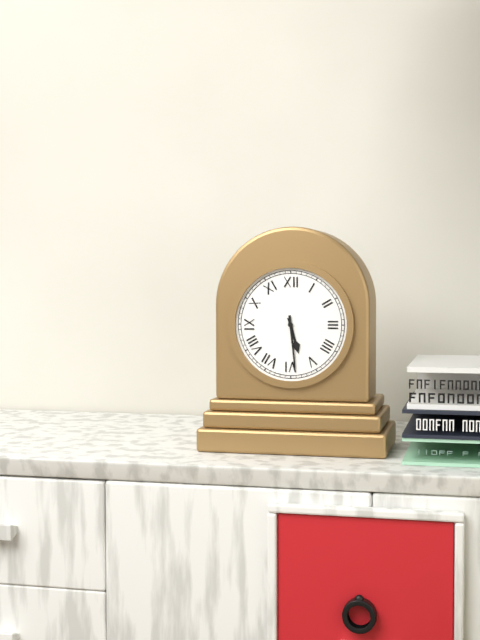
5:29
